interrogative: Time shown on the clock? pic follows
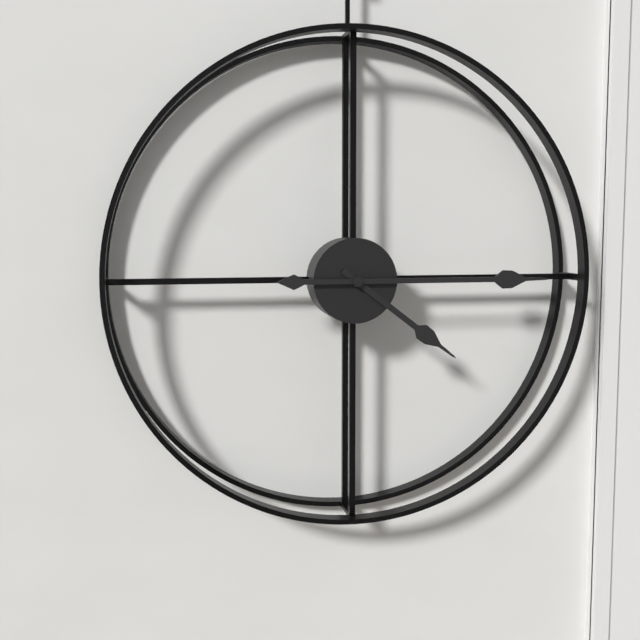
4:15
